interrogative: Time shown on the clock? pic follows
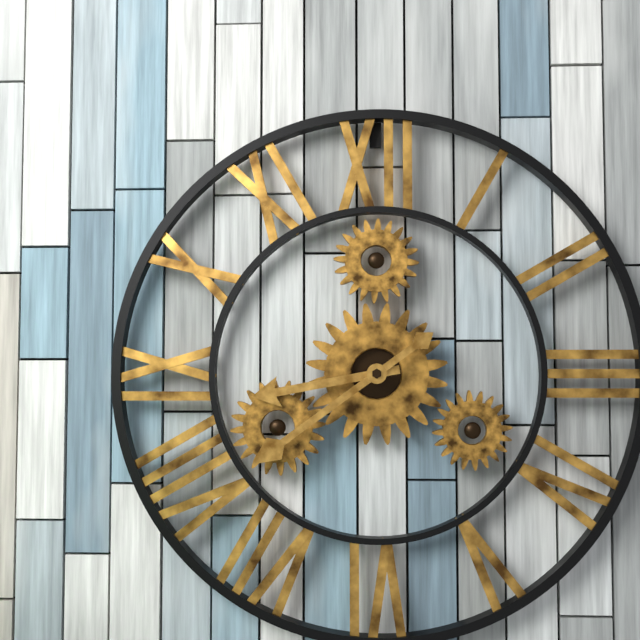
8:39
